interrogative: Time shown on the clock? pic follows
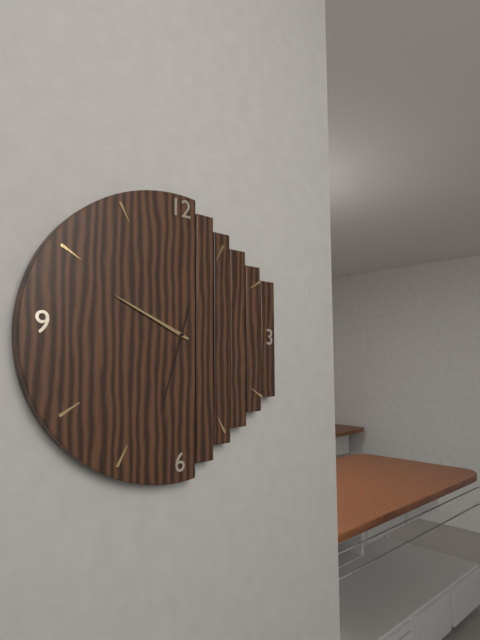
9:49:33
